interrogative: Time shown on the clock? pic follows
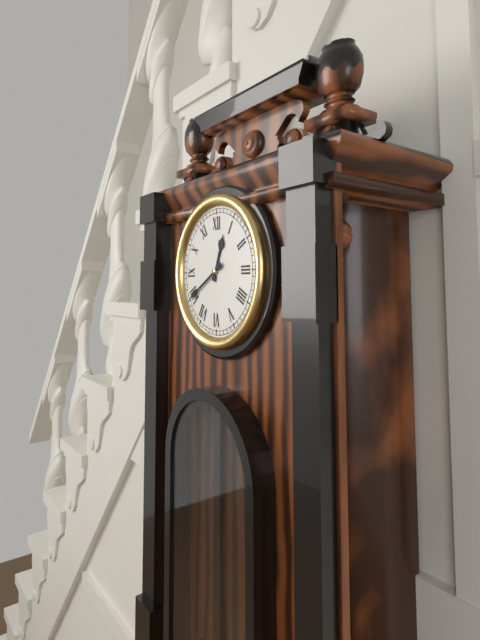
12:40
